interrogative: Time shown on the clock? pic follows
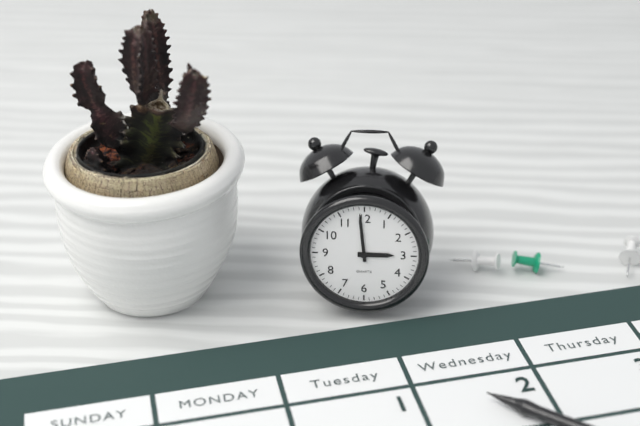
2:59
